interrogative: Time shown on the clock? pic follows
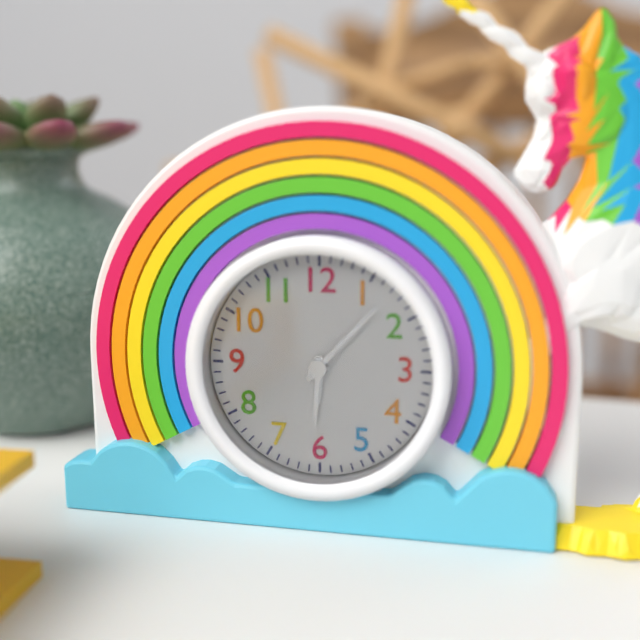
6:07
